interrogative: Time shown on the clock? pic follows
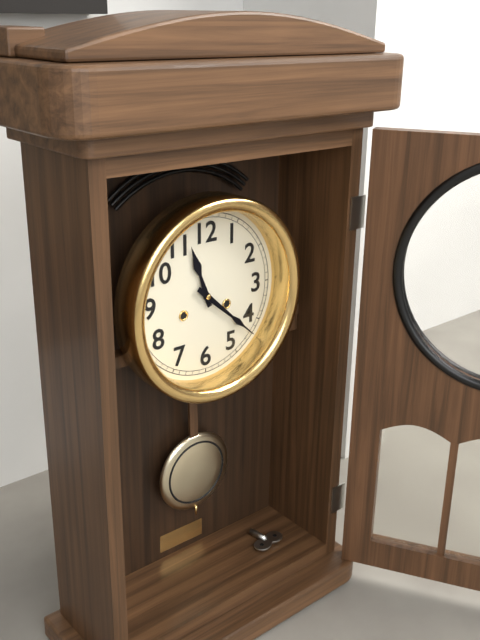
11:22
